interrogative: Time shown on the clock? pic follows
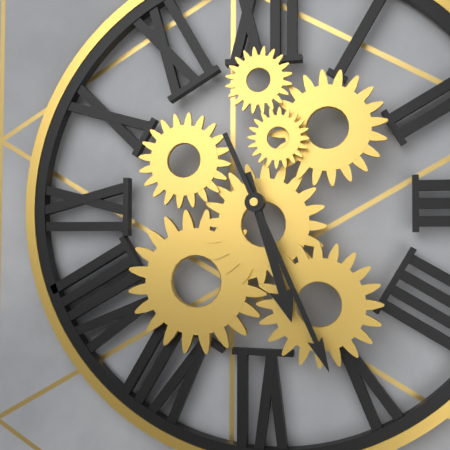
5:26
